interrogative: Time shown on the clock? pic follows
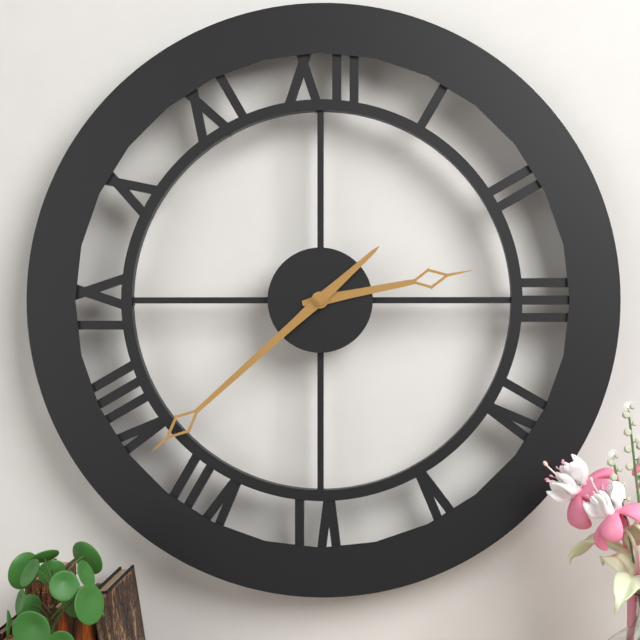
2:38
